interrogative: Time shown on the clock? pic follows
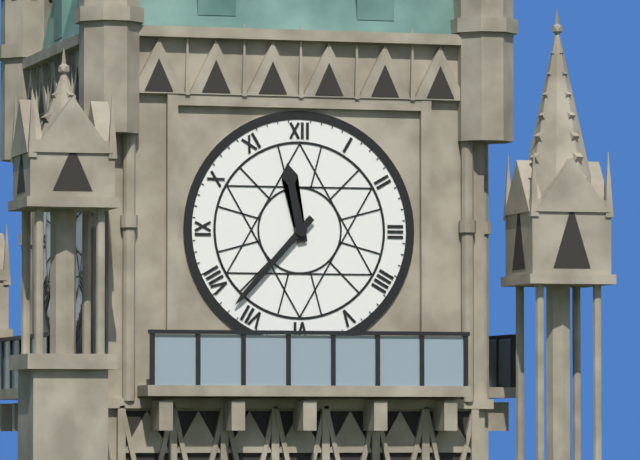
11:37
